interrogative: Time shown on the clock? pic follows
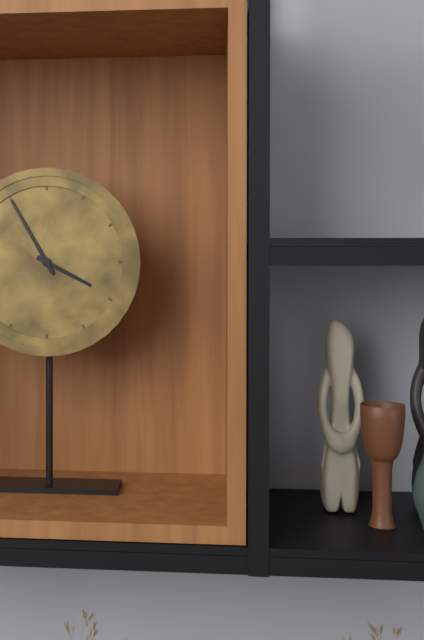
3:55
